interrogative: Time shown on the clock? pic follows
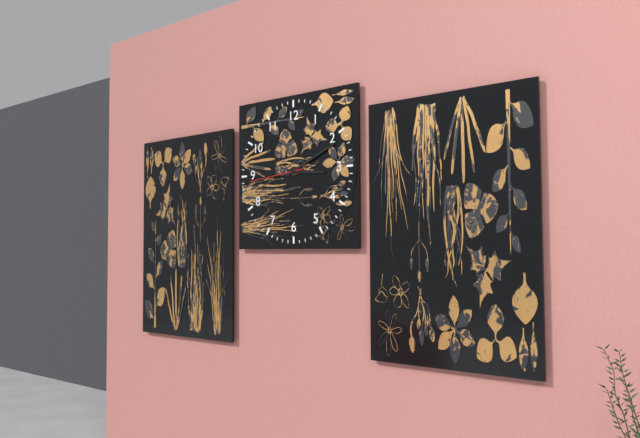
3:11:44
